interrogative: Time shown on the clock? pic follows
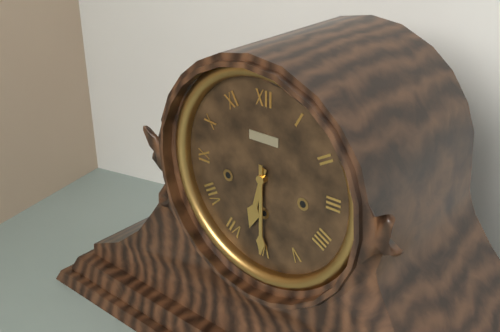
6:30
